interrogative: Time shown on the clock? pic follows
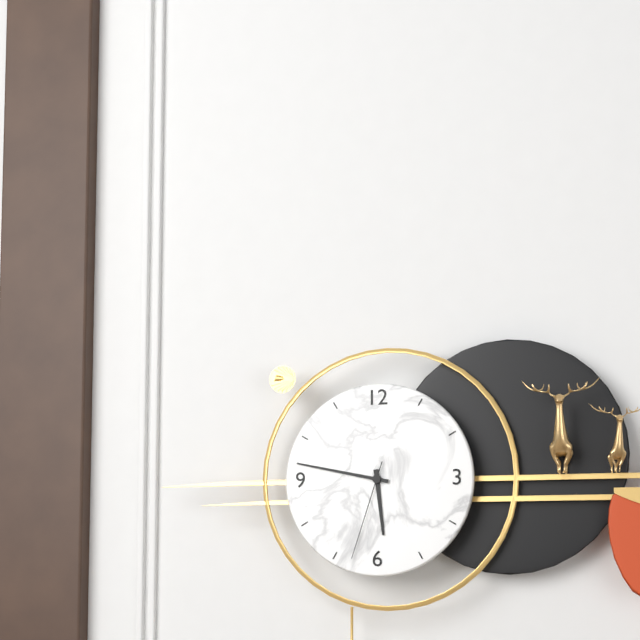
5:47:33
